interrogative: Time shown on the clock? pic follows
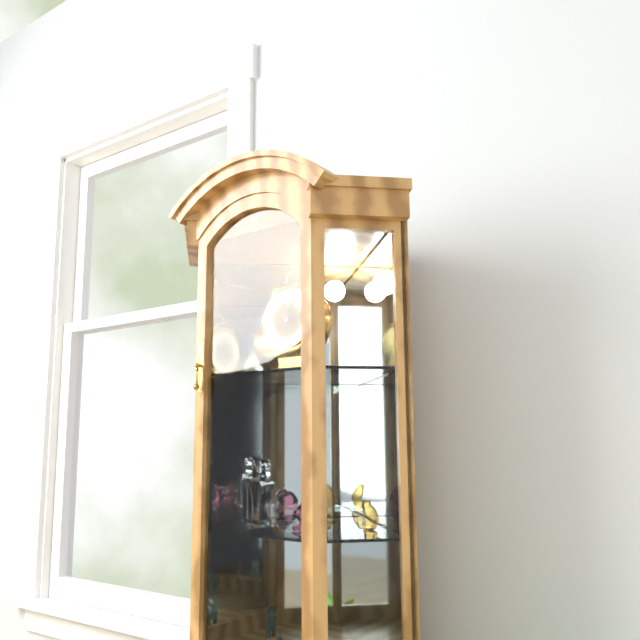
3:04
